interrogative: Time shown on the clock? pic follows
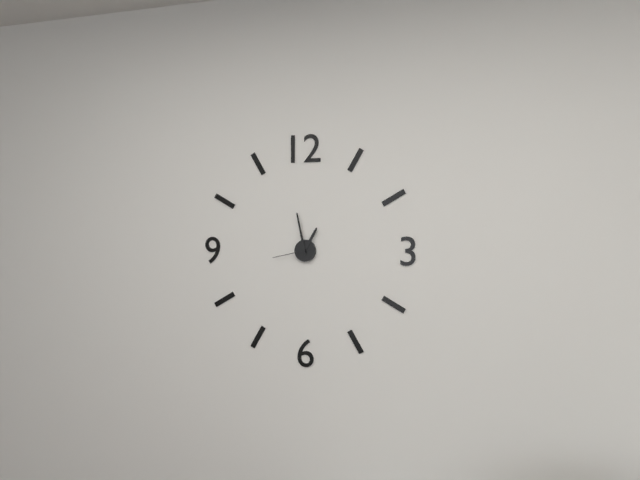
12:58
